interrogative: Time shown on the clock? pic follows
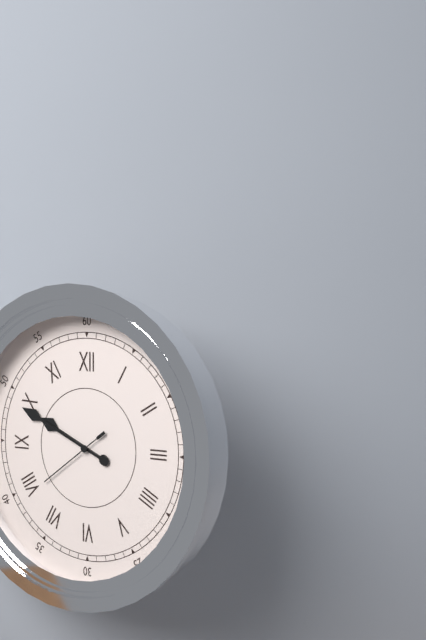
9:49:39
